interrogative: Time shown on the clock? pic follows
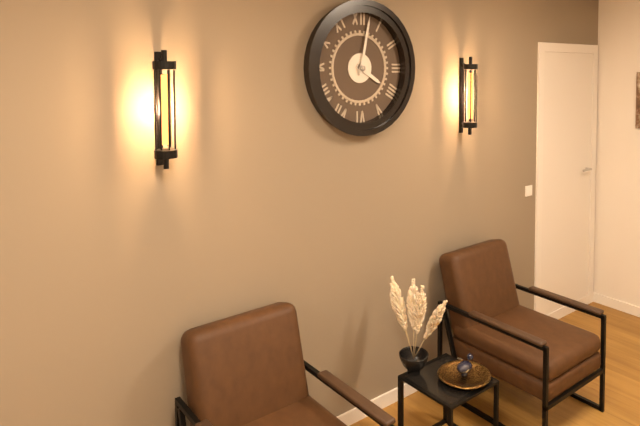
4:02
